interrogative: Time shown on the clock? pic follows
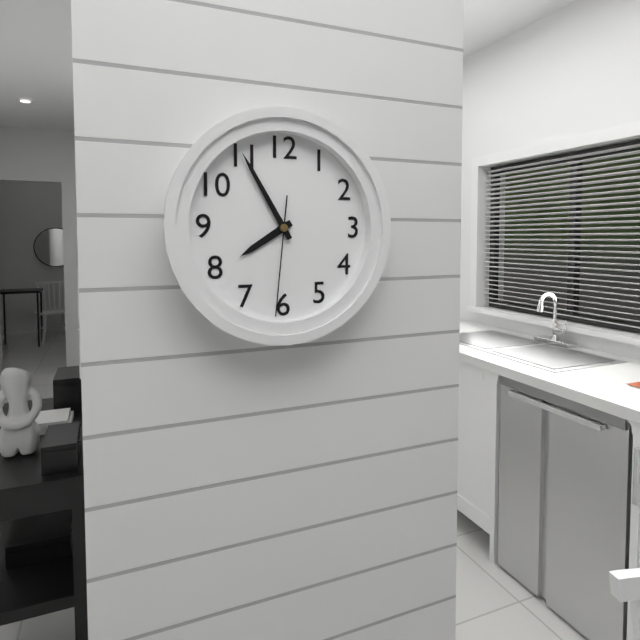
7:55:31
